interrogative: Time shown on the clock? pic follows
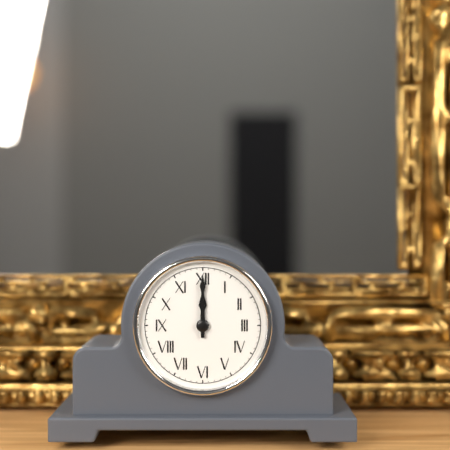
12:00
